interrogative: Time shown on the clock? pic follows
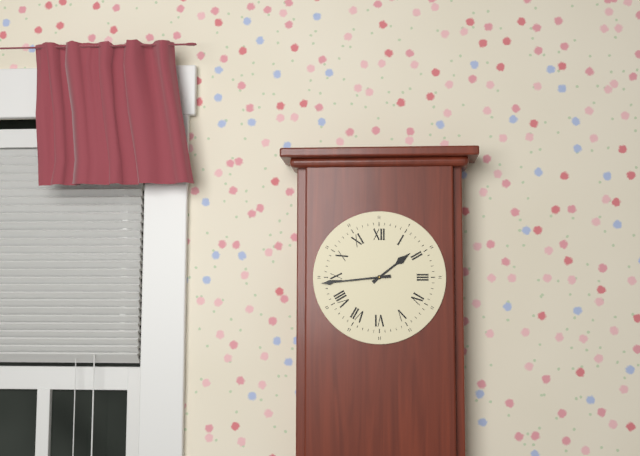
1:44
